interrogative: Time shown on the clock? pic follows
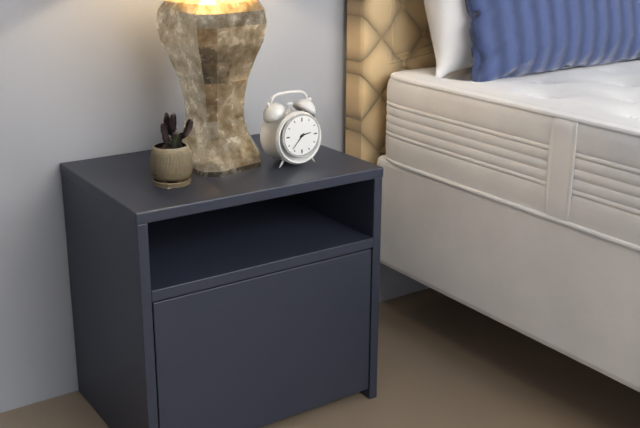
2:37
